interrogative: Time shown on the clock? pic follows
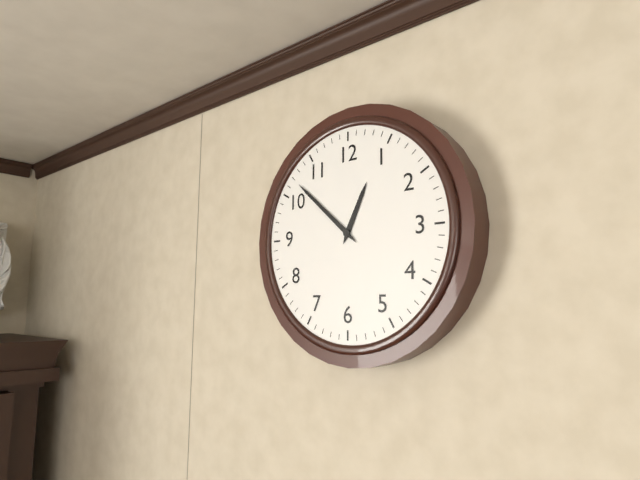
12:52
